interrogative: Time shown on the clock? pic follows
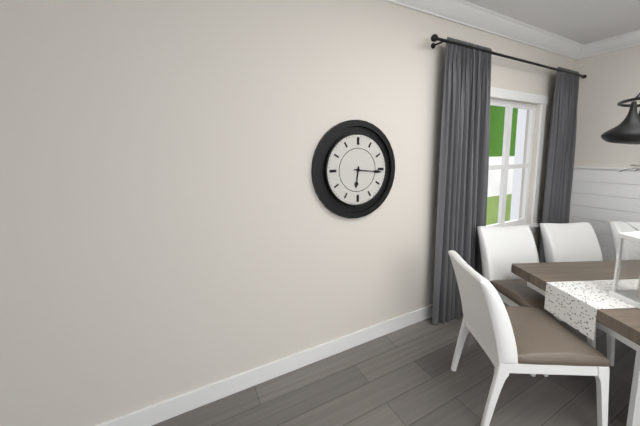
6:16
